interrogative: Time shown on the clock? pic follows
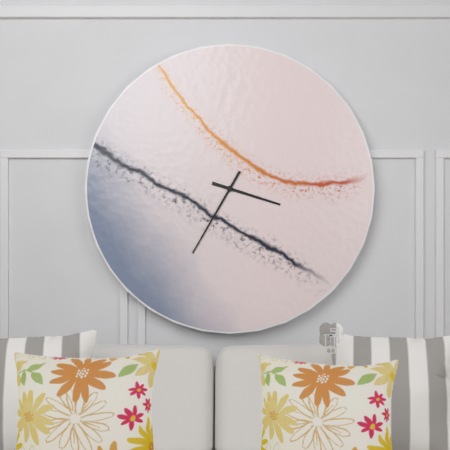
3:35
